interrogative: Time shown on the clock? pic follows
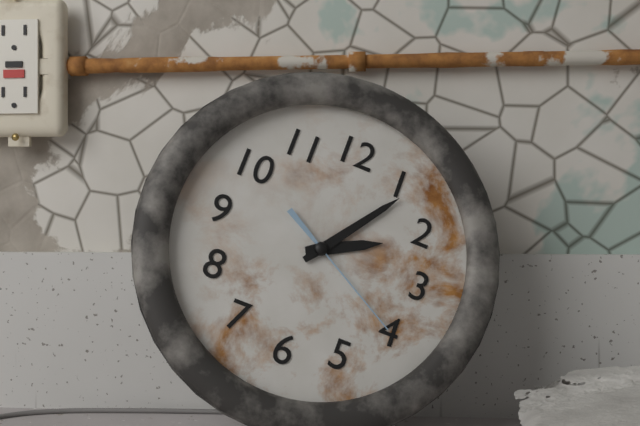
2:06:20
